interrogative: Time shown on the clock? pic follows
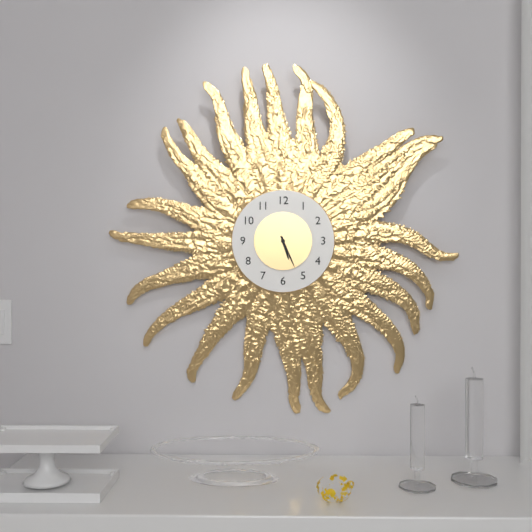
5:26
